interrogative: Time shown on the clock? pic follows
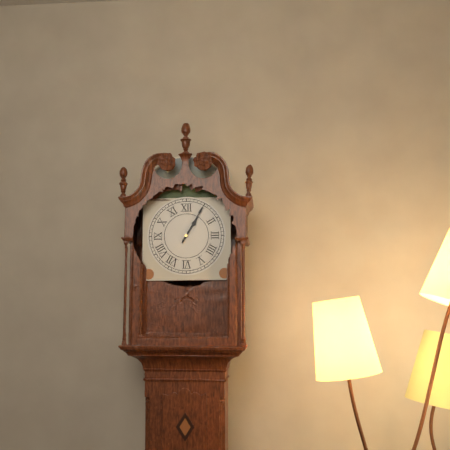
1:05
